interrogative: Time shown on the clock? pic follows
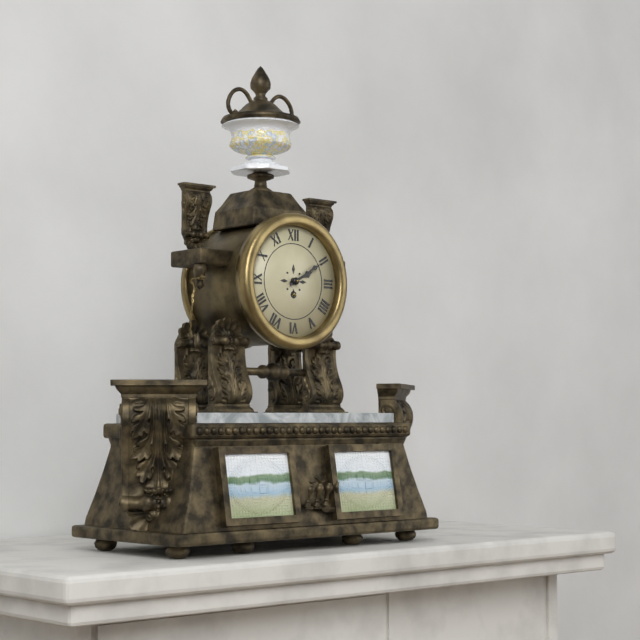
2:10
